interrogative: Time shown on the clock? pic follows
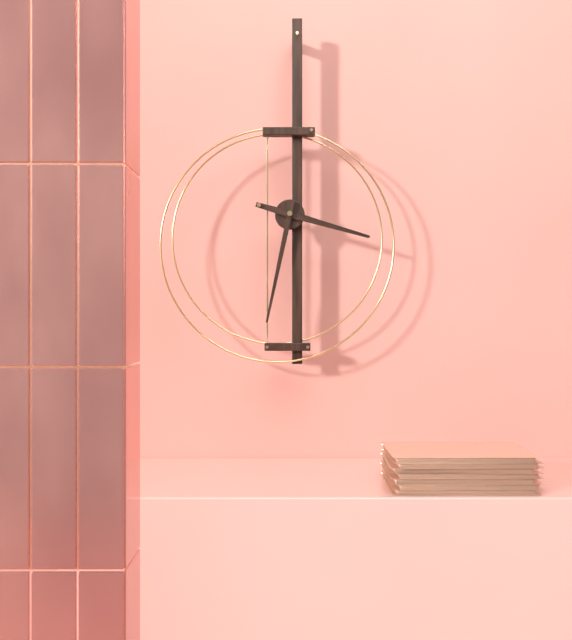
3:32
